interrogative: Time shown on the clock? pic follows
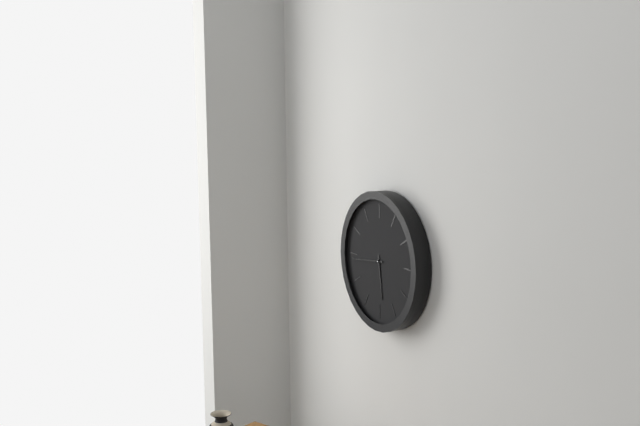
5:44
